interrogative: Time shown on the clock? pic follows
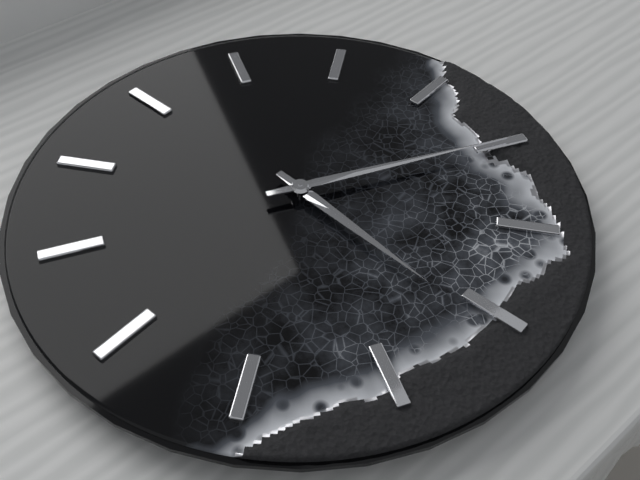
4:10
